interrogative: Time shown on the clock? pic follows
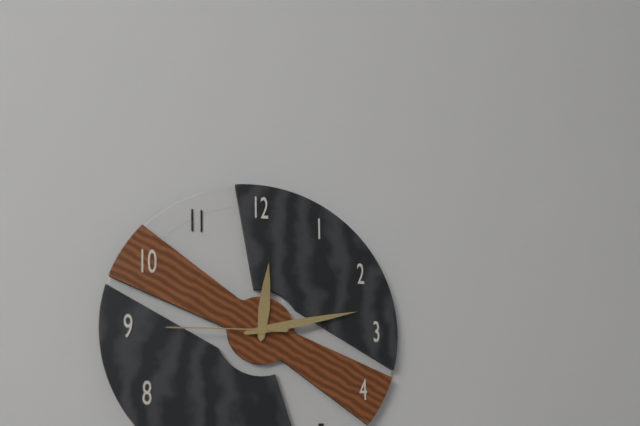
12:13:45
